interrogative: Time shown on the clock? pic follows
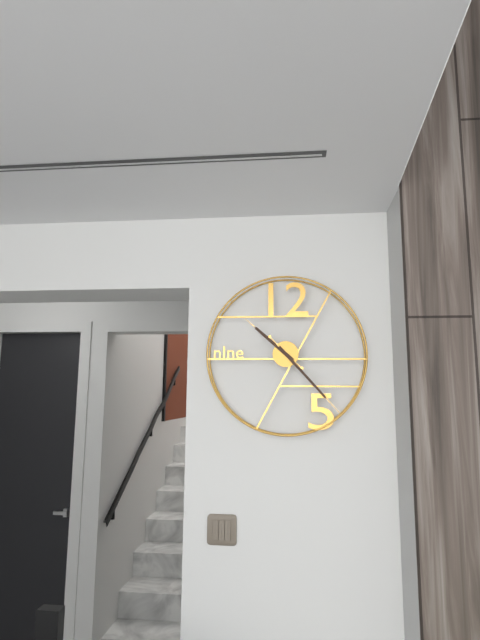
10:23
